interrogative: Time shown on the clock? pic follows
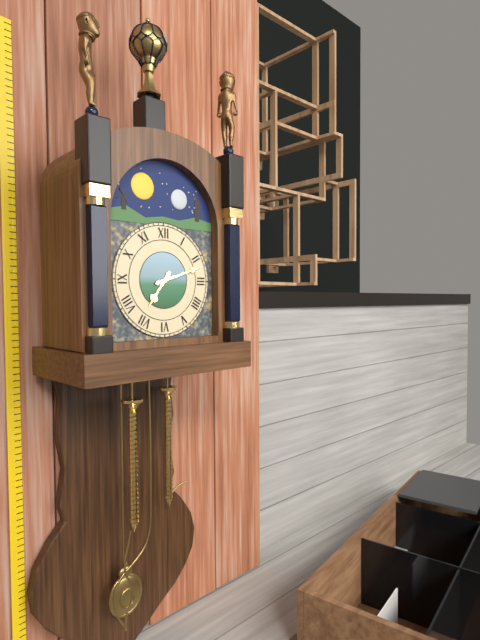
7:12
